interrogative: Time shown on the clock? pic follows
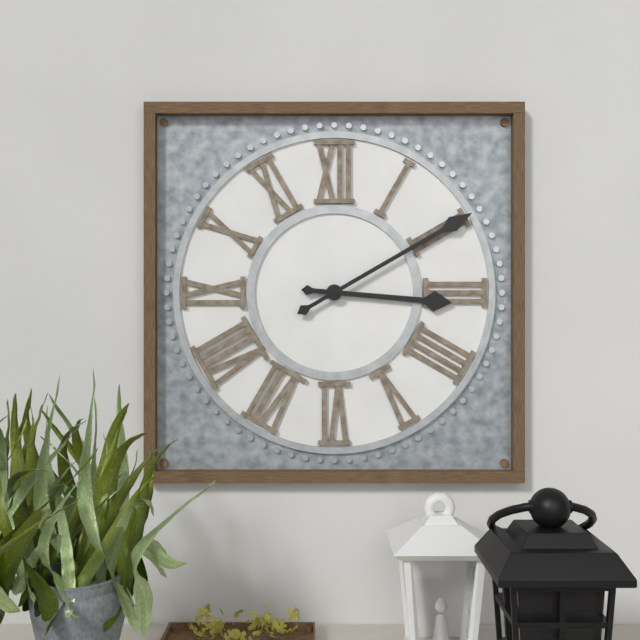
3:10
